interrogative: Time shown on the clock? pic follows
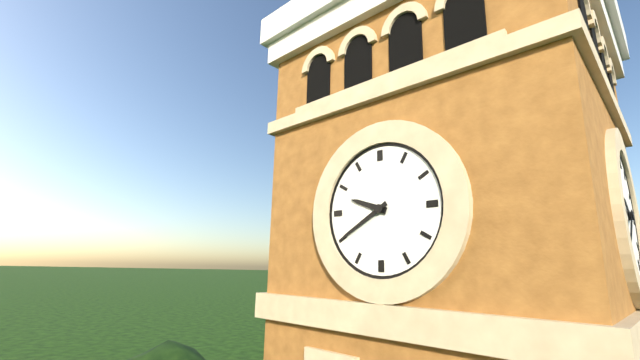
9:40
